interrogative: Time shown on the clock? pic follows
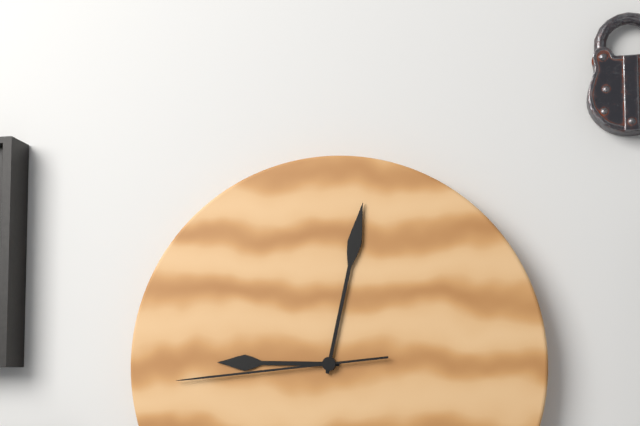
9:02:44
